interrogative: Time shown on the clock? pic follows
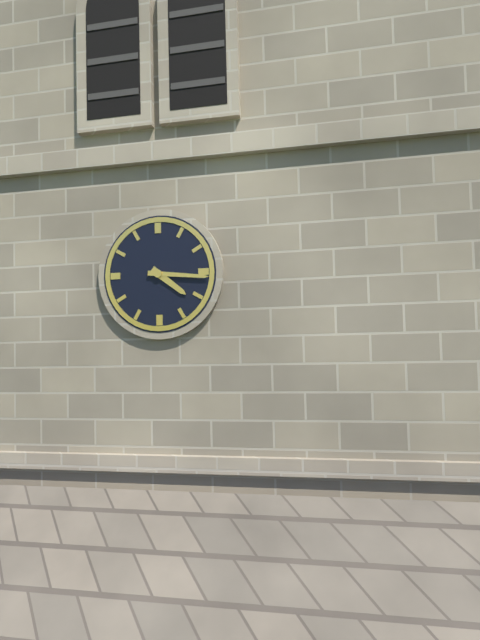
4:16
